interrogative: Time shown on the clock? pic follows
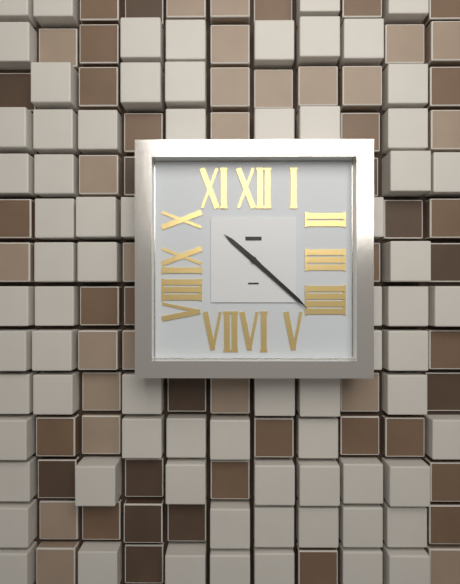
10:22
